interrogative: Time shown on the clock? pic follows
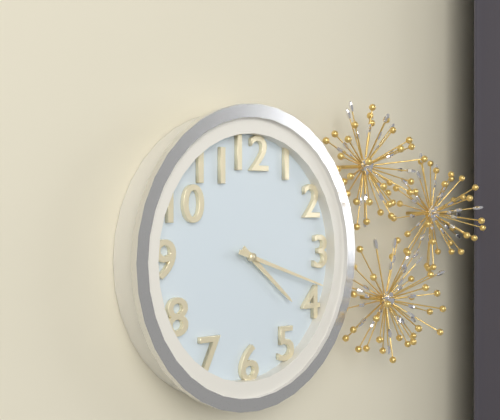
4:18
